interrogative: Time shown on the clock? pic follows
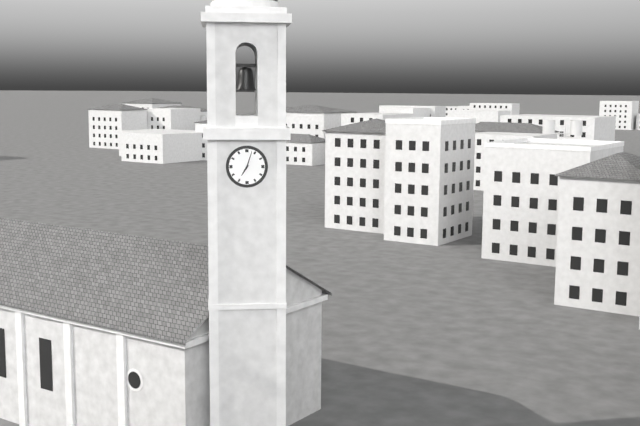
7:03
